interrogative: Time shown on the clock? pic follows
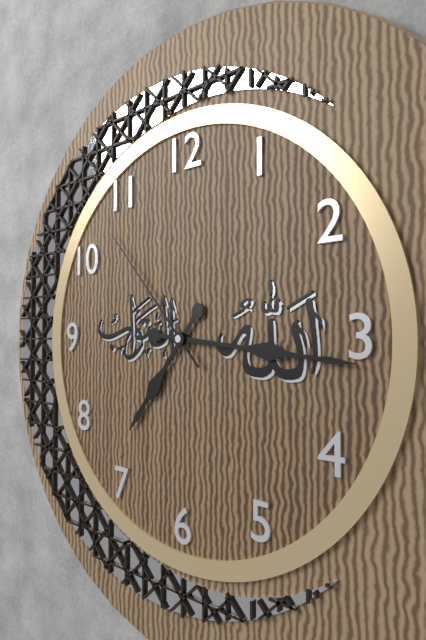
7:16:53
